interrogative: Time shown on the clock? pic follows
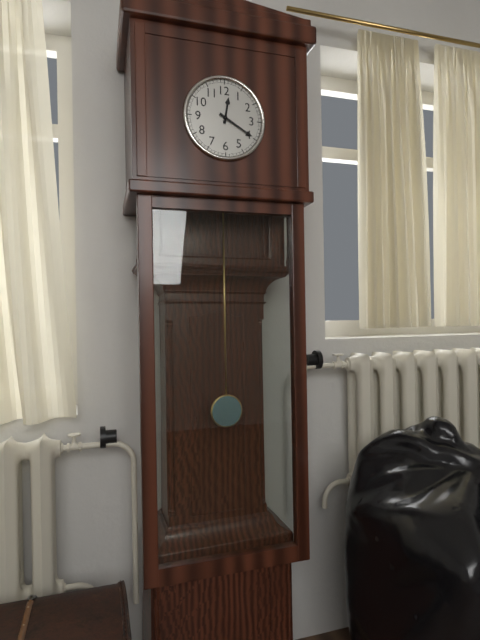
12:20
